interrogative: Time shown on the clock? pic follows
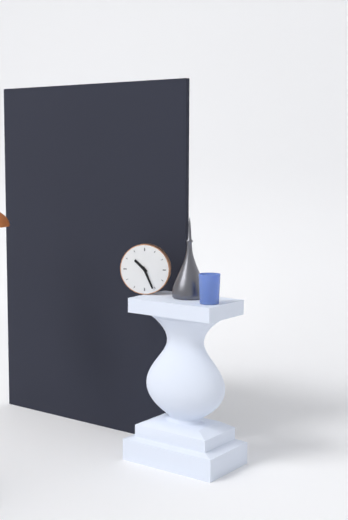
10:26
